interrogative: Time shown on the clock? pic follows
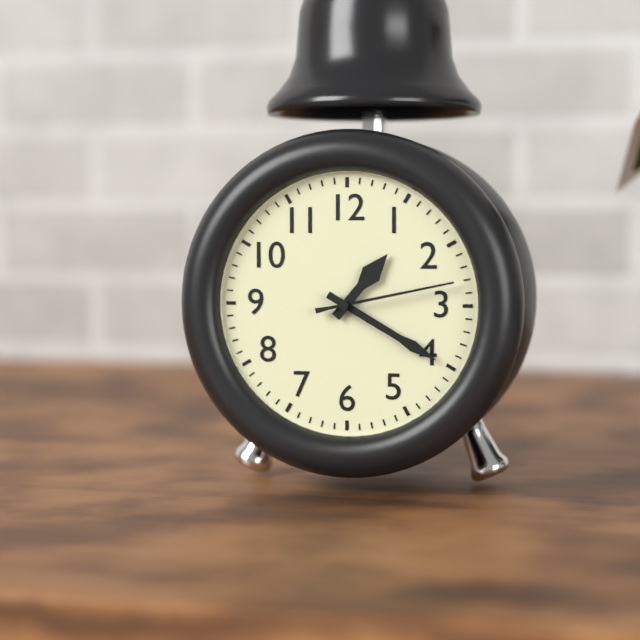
1:20:13
